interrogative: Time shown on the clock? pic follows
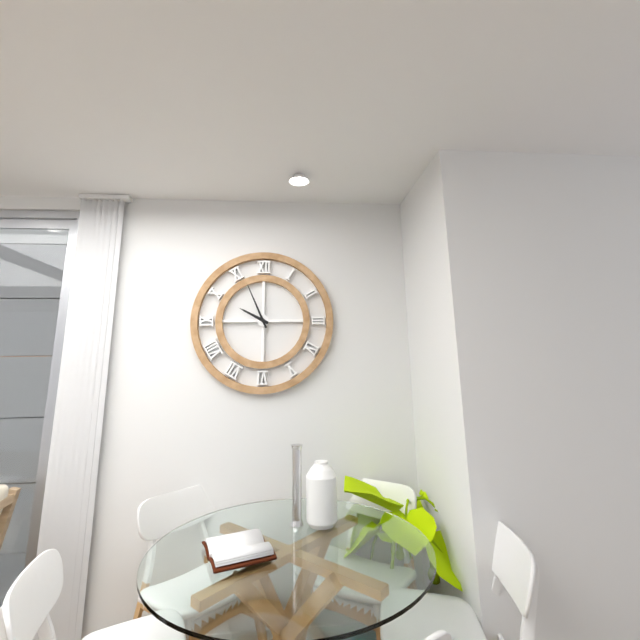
9:56
